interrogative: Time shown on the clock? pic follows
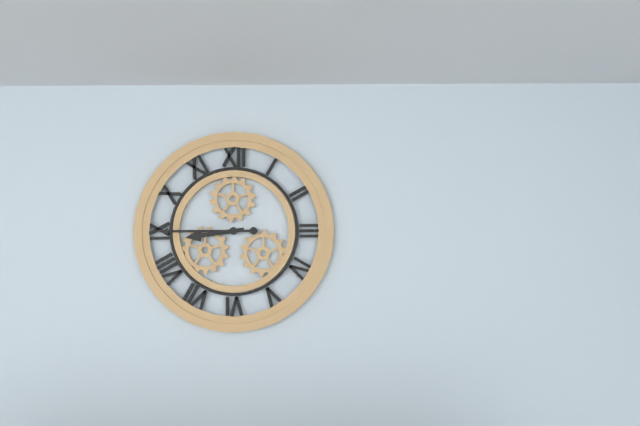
8:45
